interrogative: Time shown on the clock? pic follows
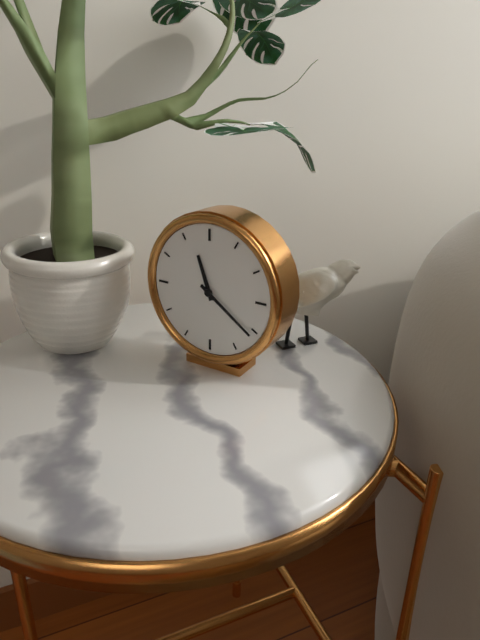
11:21
